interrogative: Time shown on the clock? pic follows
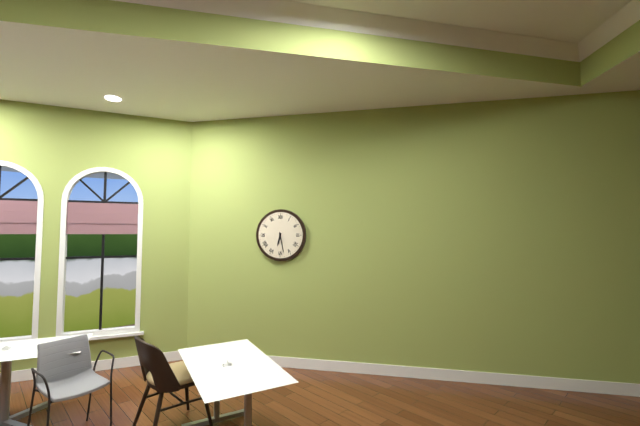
6:28
